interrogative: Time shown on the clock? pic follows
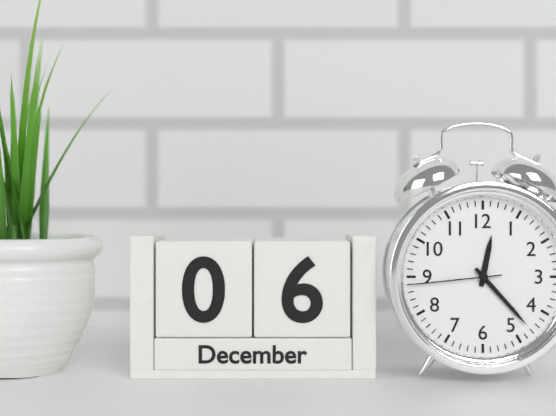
12:23:44
